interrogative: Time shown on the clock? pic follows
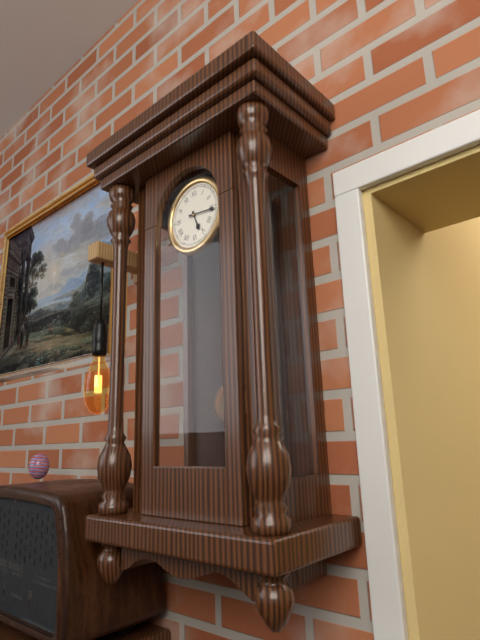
5:16
